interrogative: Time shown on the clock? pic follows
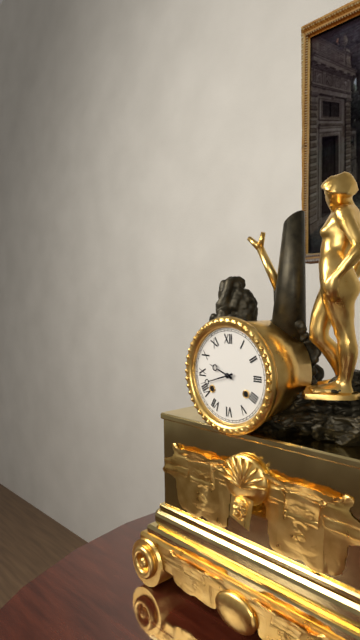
9:42
